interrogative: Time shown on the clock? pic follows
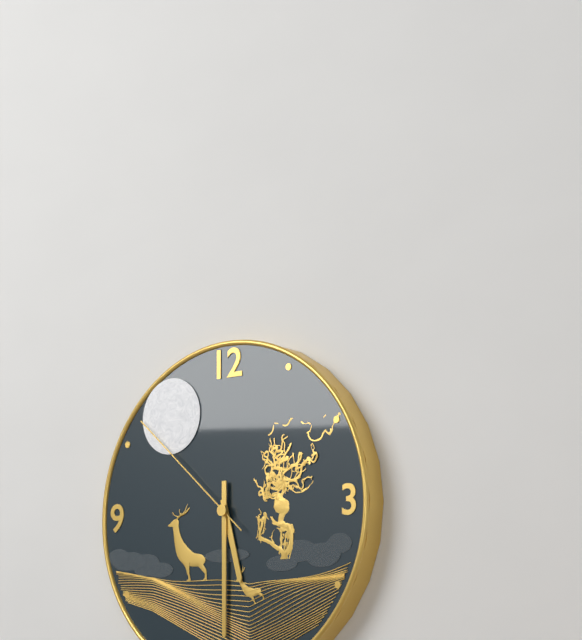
5:30:52
